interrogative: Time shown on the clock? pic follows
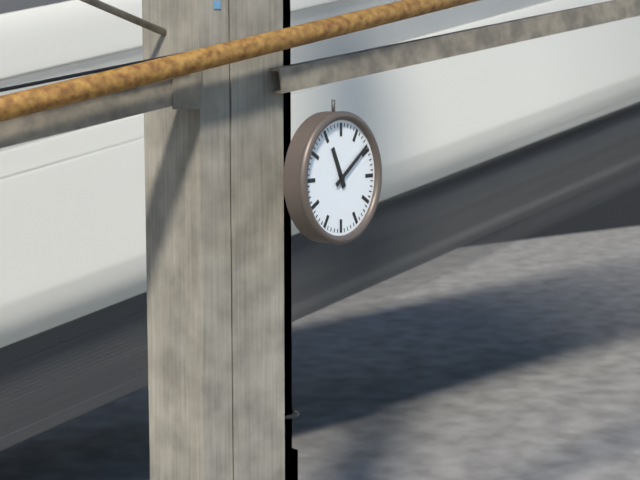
11:09
